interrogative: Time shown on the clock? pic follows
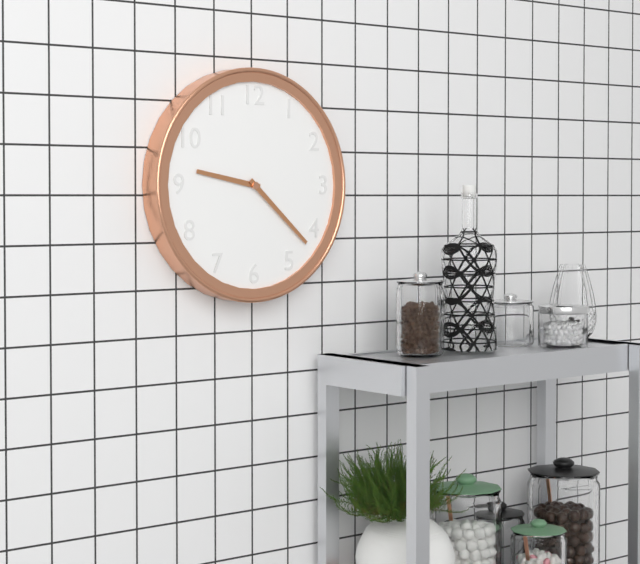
9:22
